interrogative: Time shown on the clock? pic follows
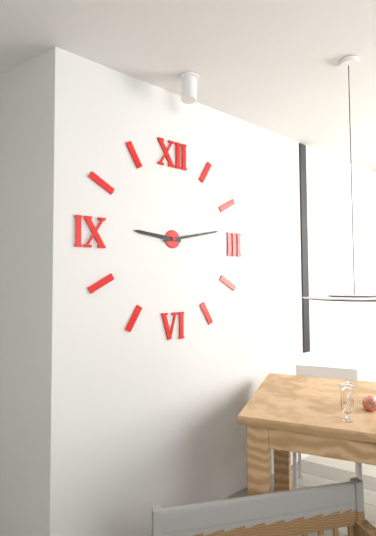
9:13
